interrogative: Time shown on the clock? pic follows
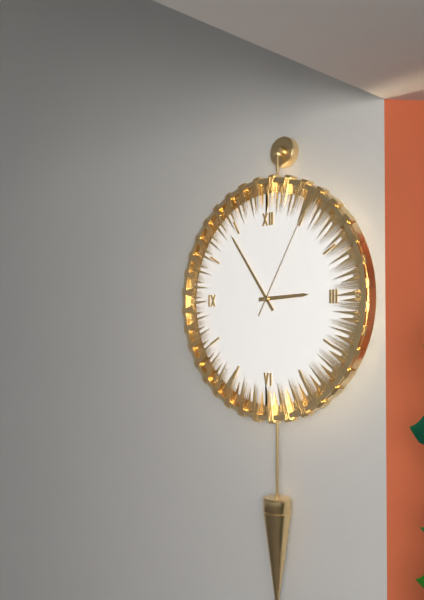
2:54:05
